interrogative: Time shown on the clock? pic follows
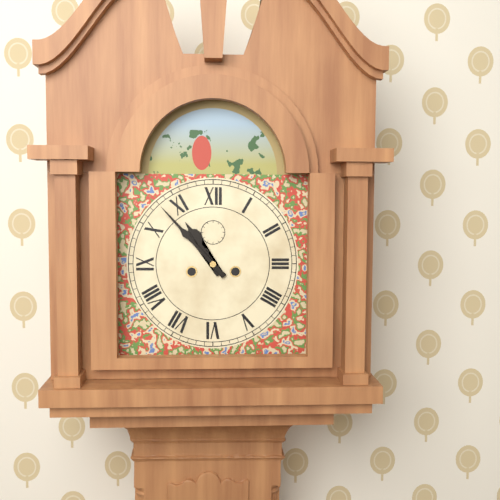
10:53
